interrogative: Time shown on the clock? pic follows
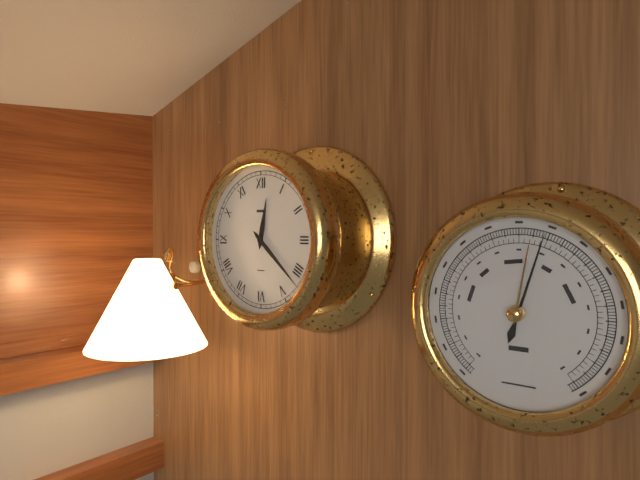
12:22
